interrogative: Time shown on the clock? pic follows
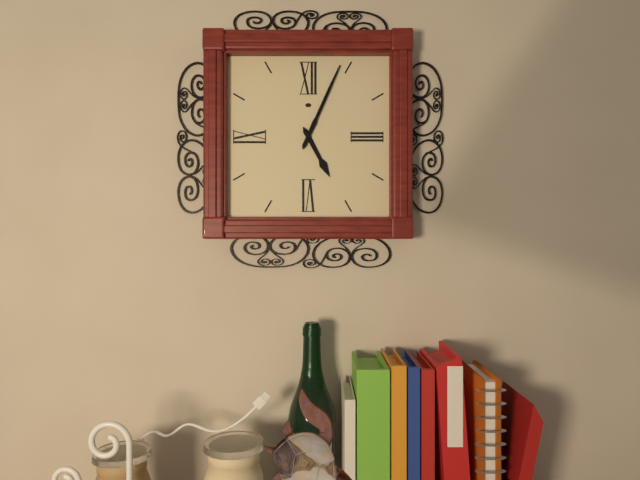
5:04
